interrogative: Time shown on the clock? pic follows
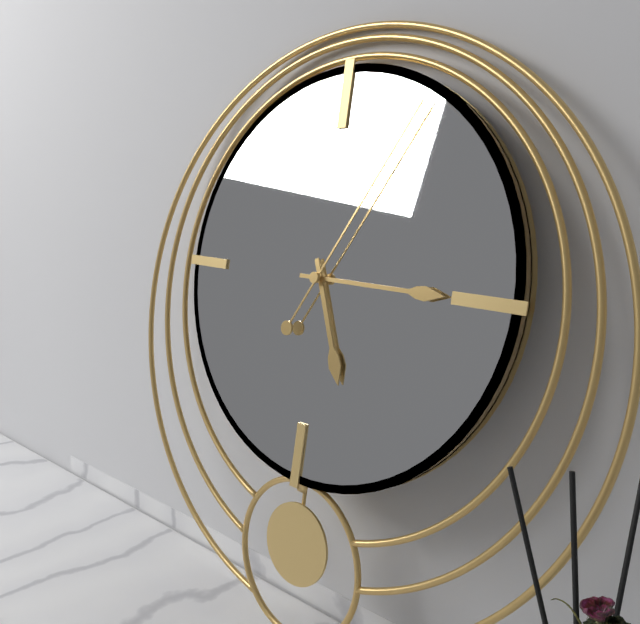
5:15:05
